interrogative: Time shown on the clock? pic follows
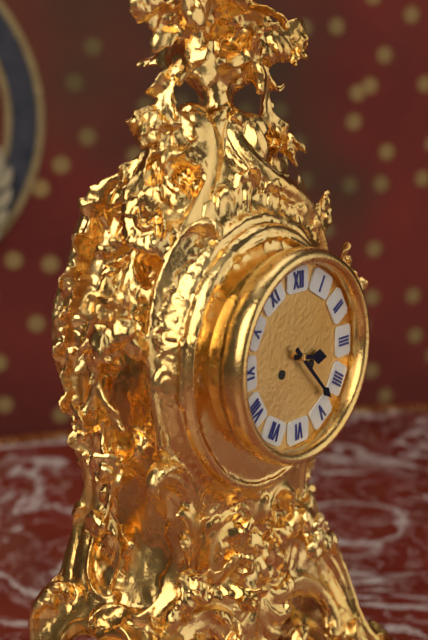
3:23
